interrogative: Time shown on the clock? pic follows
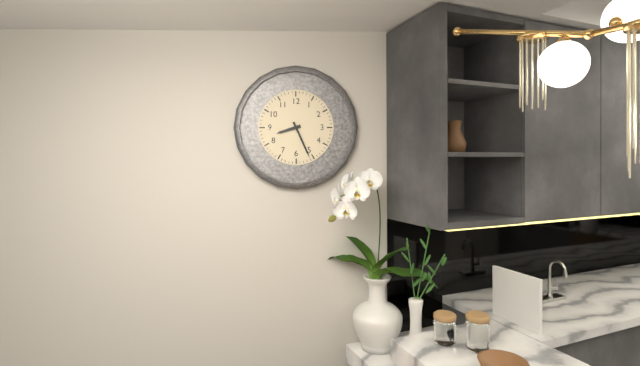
8:26
